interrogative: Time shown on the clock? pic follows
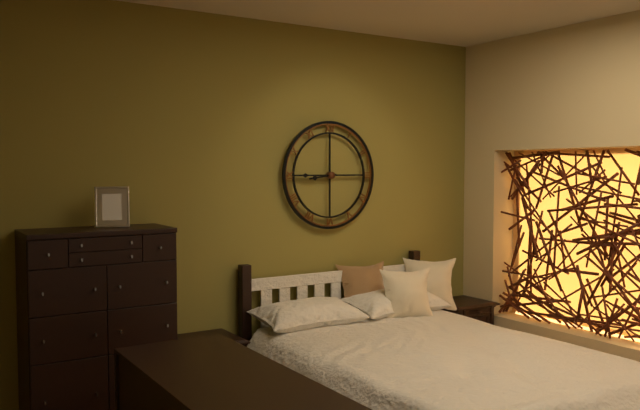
8:45
